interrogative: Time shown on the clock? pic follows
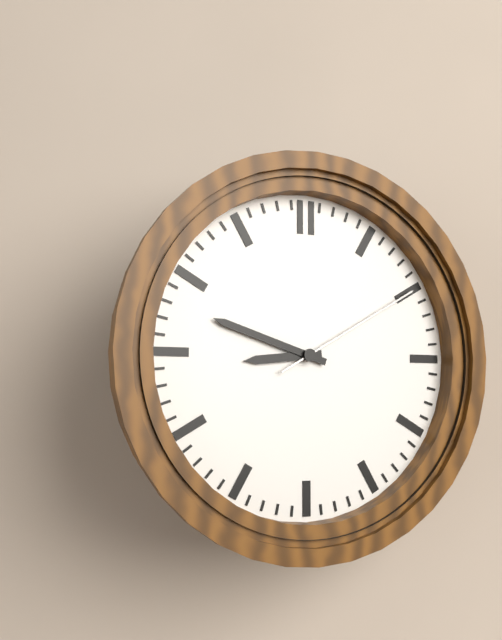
8:48:10
